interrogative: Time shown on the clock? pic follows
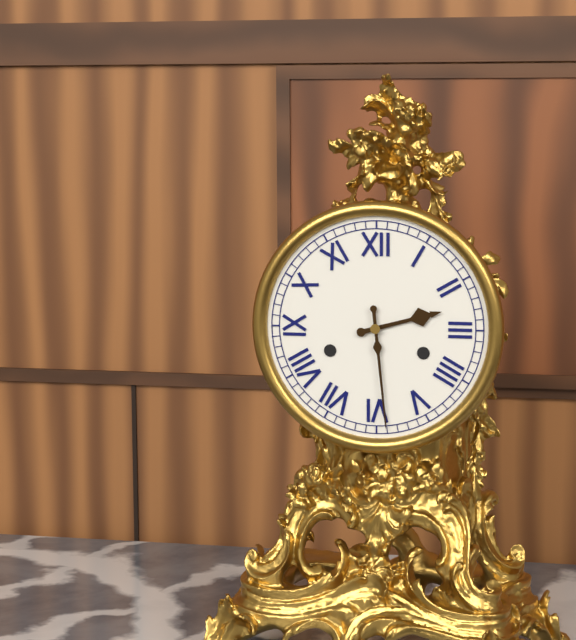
2:29
